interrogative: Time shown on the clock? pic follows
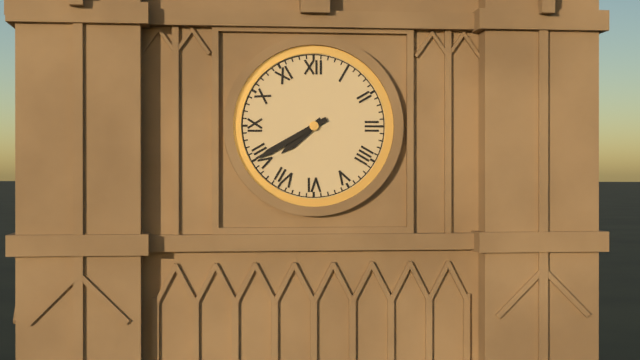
7:40
